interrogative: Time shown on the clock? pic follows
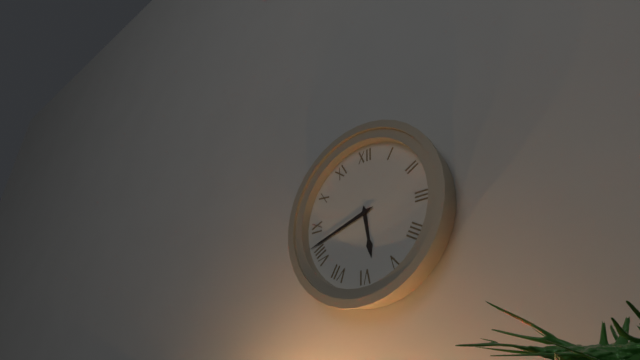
5:42
